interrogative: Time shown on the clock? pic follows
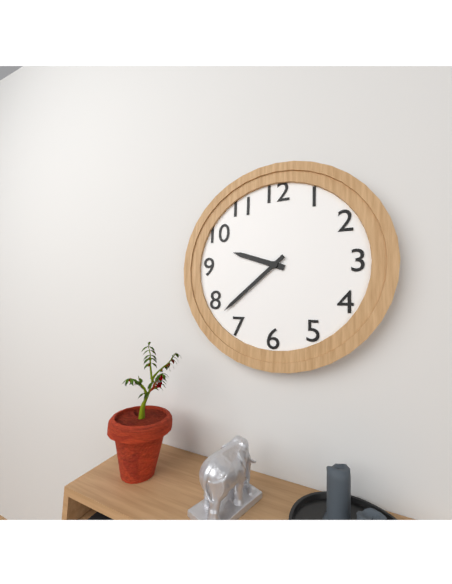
9:38
